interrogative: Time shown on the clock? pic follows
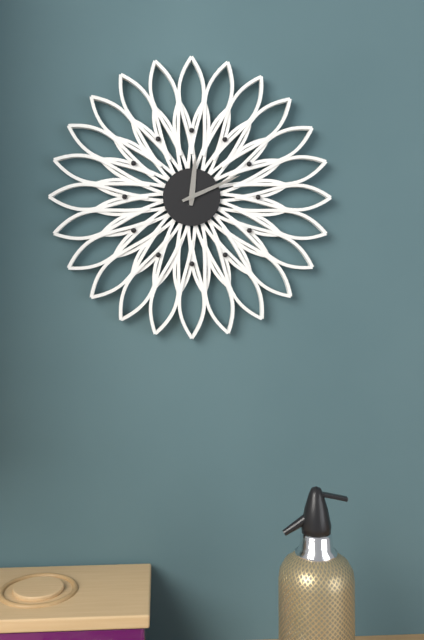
12:11
